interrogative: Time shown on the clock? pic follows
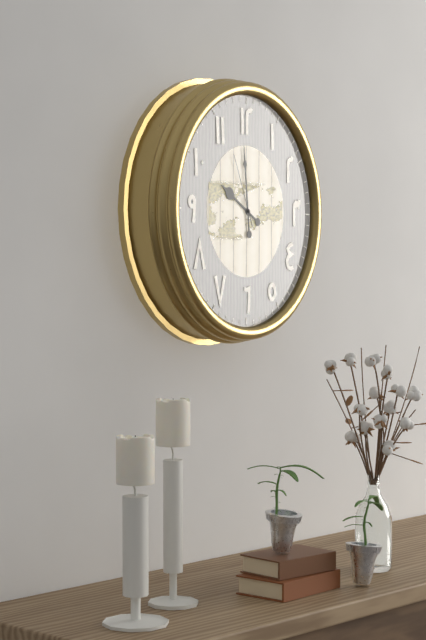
9:59:56
